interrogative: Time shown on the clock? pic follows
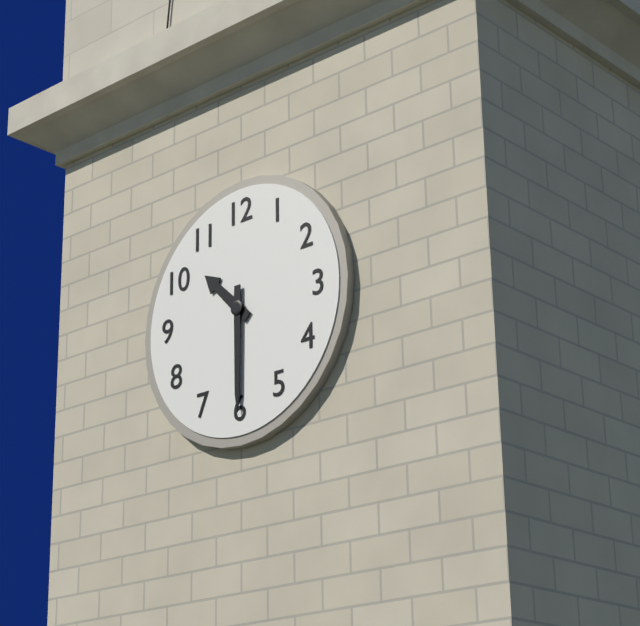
10:30
